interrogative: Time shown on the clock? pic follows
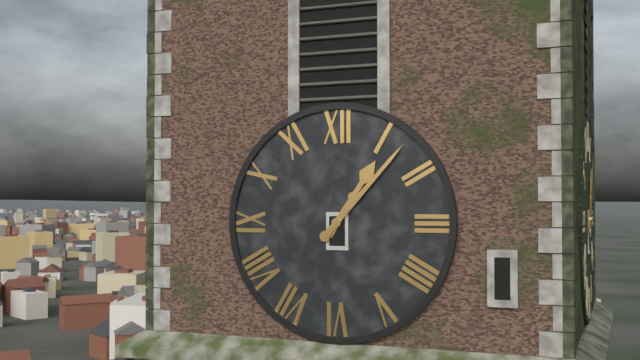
1:07
